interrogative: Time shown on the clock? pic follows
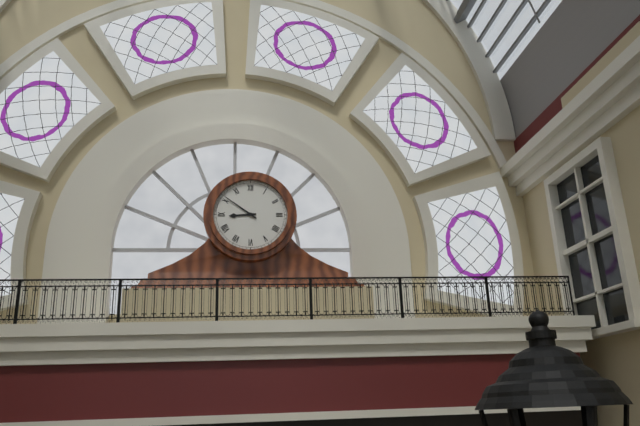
8:51
